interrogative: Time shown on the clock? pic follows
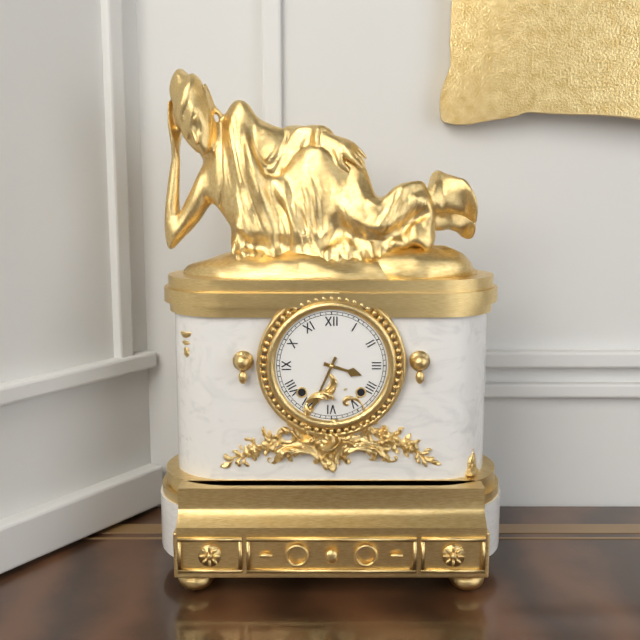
3:34
